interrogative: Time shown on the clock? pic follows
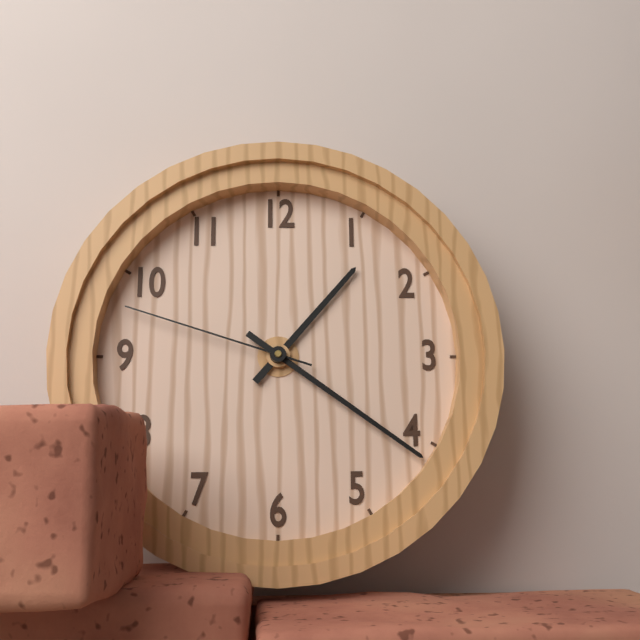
1:21:48
